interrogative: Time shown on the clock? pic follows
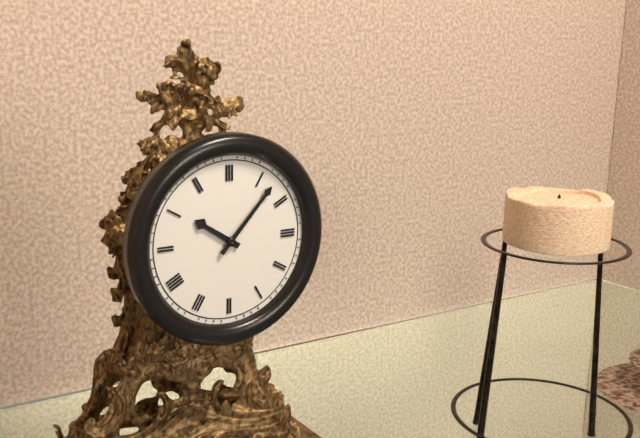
10:07
